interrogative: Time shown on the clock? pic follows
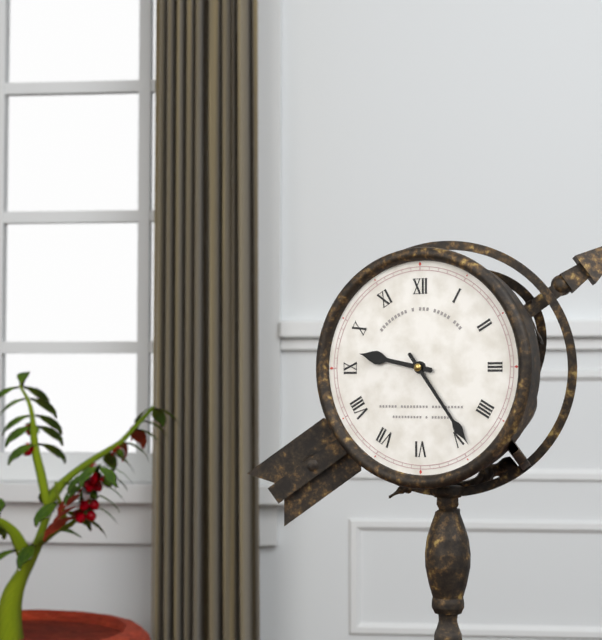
9:24
